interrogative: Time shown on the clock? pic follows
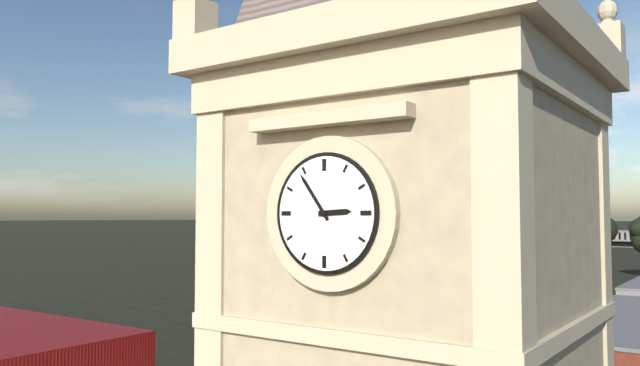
2:54
